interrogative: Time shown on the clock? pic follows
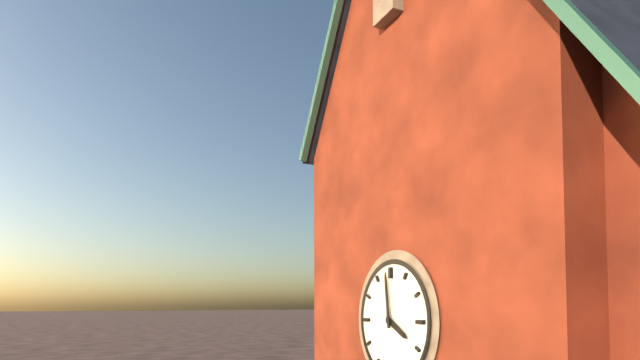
3:59
